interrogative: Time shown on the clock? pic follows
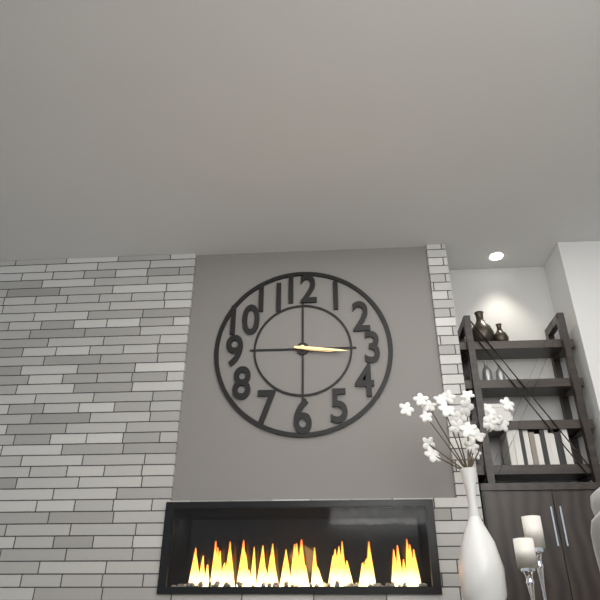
3:16
